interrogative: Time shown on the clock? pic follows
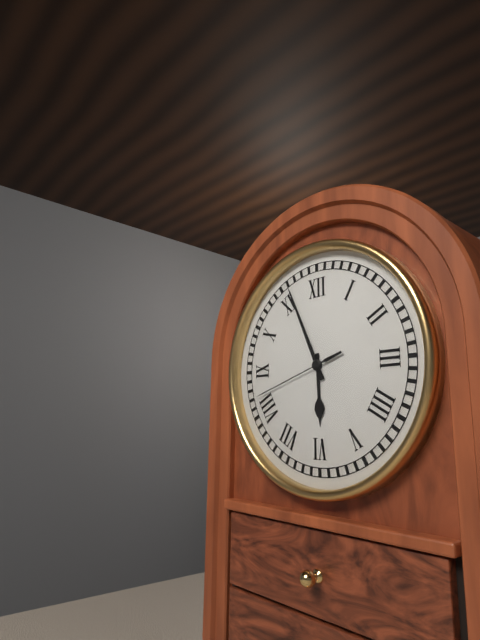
5:56:42
